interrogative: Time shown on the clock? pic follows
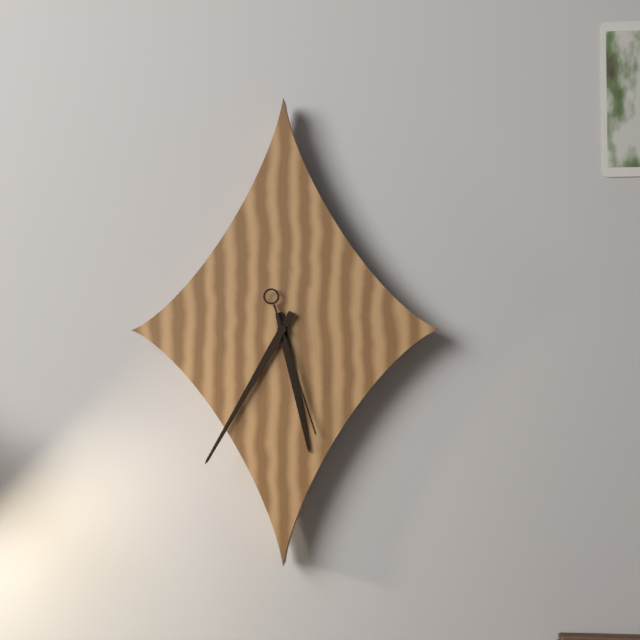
5:35:27
